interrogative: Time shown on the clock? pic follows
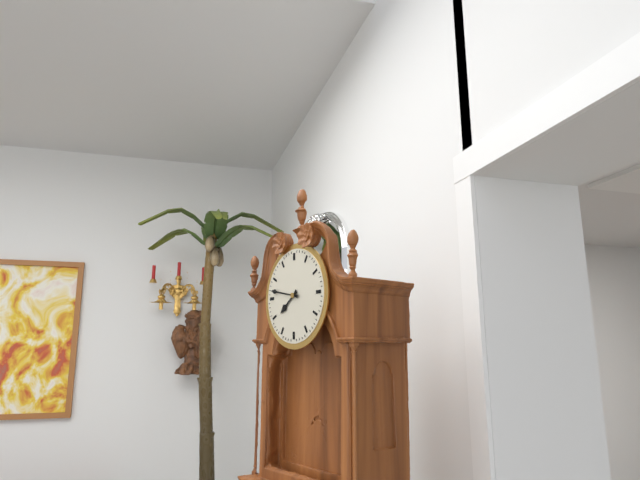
7:47
